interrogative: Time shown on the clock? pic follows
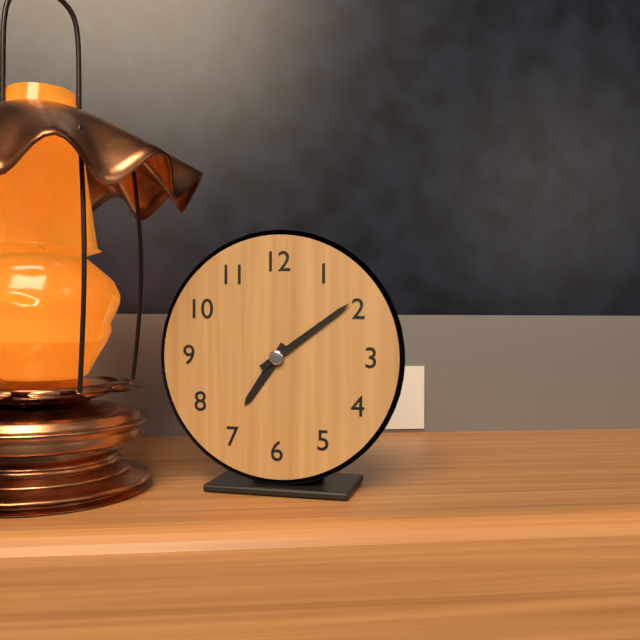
7:09
